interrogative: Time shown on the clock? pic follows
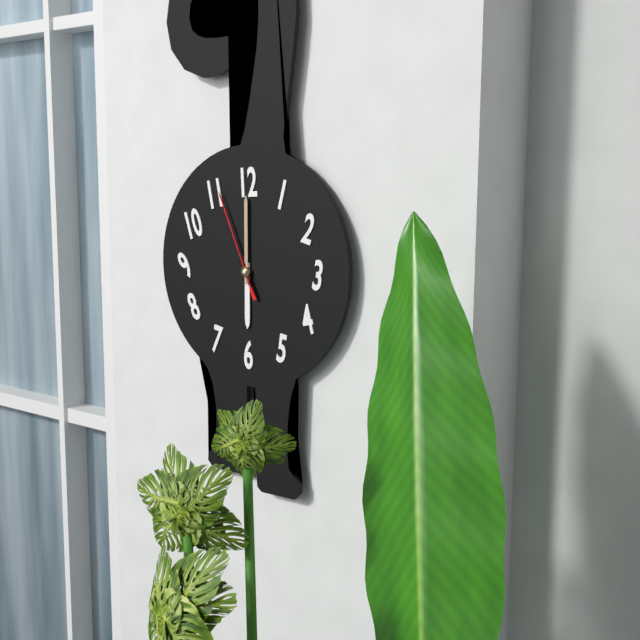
6:00:56
